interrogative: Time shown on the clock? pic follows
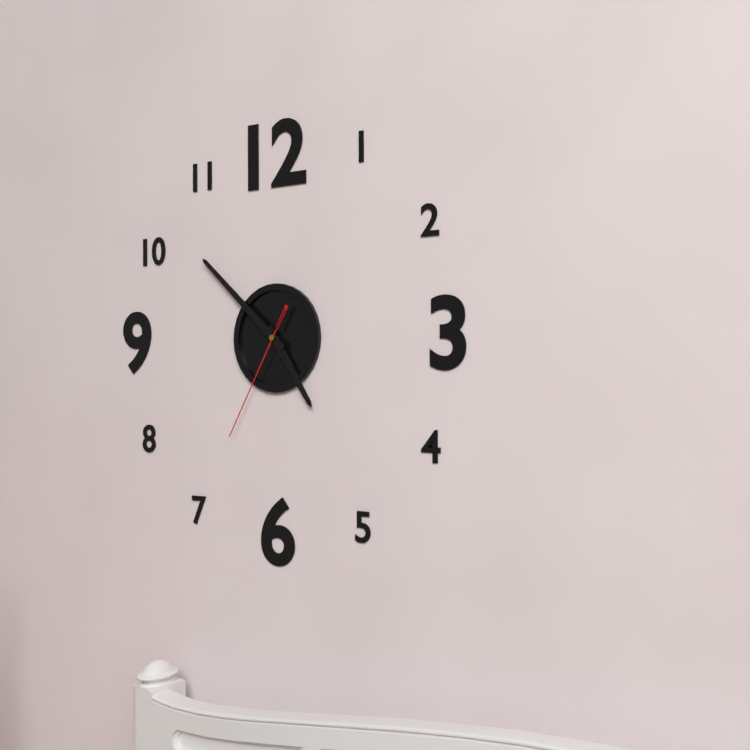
4:52:35
